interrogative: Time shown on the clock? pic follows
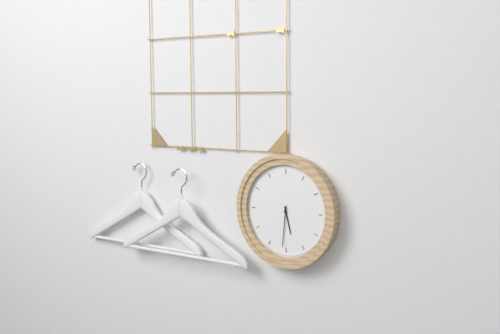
5:31
